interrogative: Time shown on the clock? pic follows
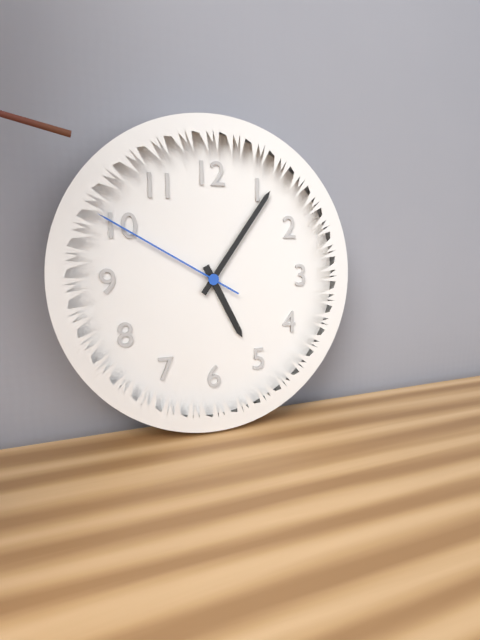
5:06:50
